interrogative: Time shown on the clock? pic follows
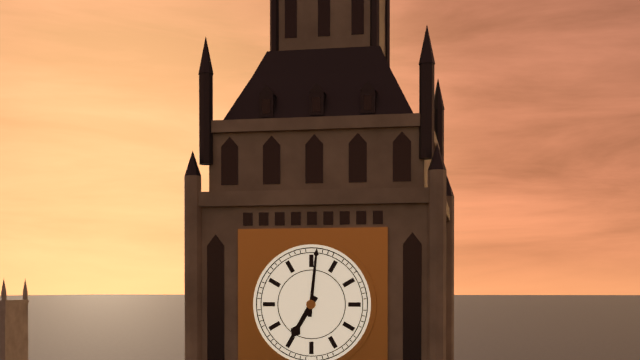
7:01
